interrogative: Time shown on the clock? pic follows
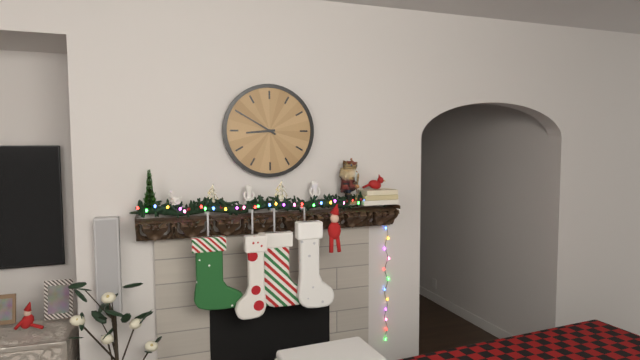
8:50
